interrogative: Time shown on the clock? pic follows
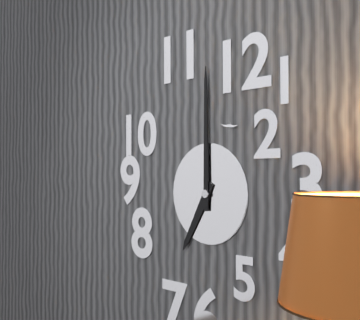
7:00
